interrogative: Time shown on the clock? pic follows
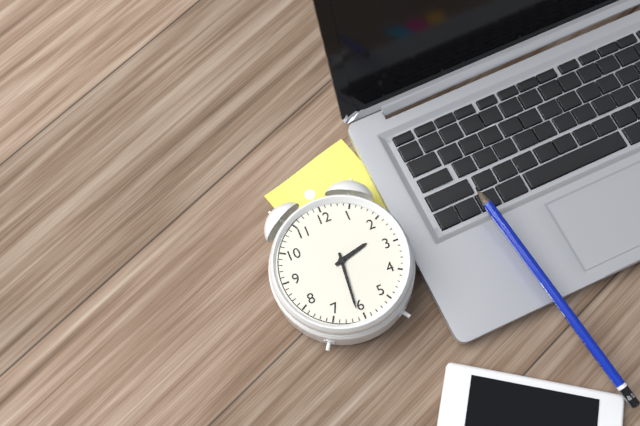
2:31
